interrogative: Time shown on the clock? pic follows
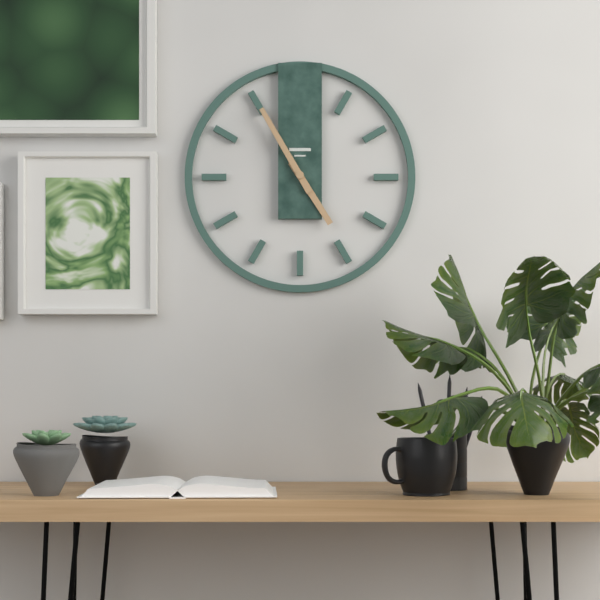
4:55
